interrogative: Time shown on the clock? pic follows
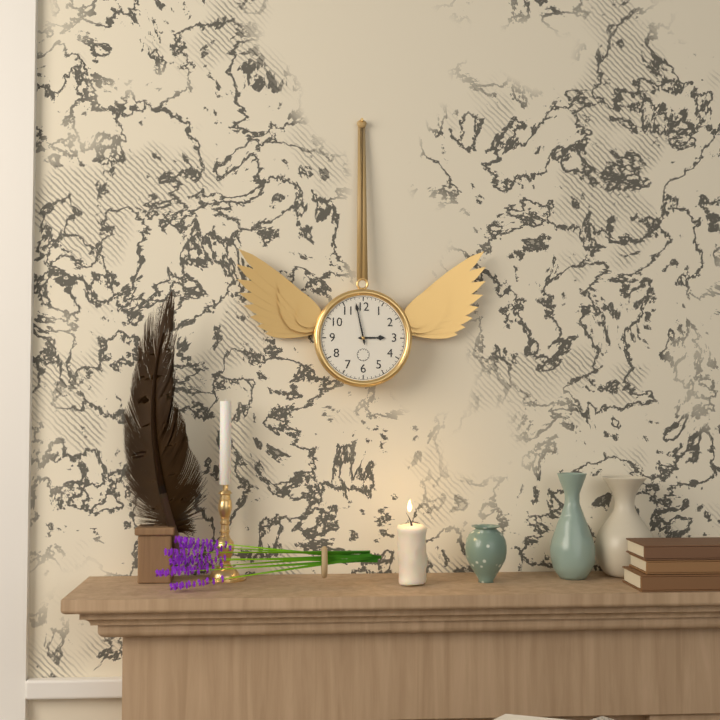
2:58
